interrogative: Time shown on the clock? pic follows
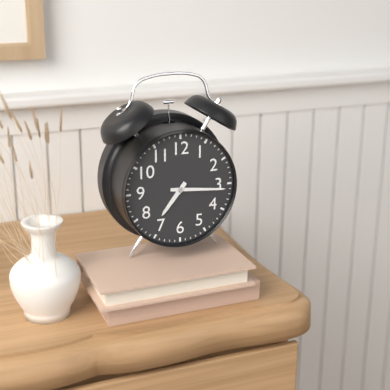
7:16
